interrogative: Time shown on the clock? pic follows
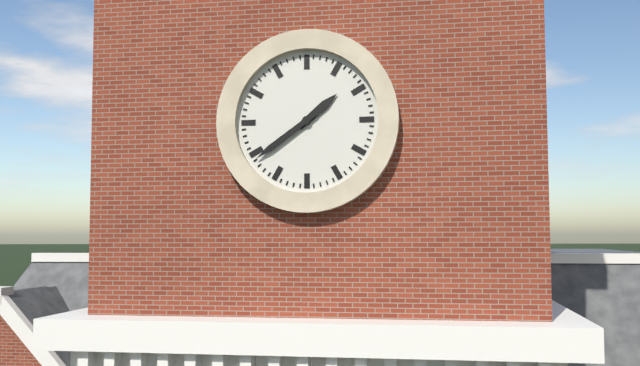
1:39
